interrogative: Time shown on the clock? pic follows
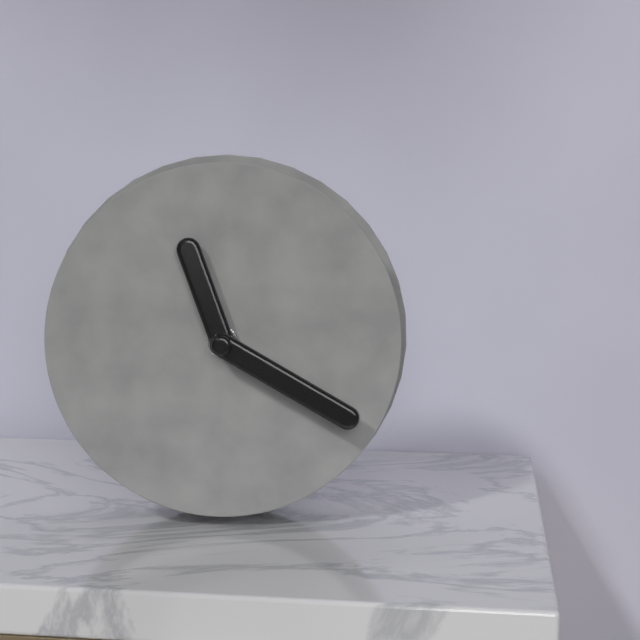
11:20
